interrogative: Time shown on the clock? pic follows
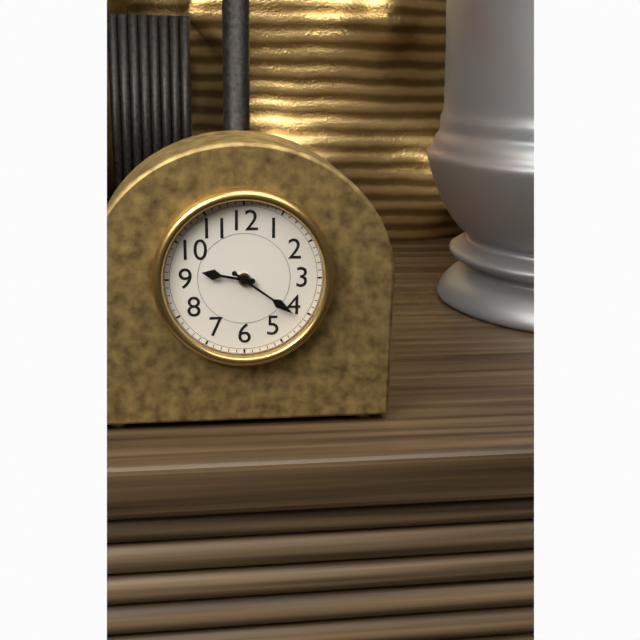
9:21
